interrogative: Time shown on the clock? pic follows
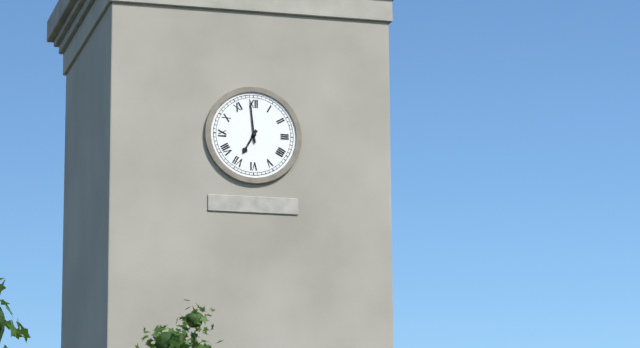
6:59
